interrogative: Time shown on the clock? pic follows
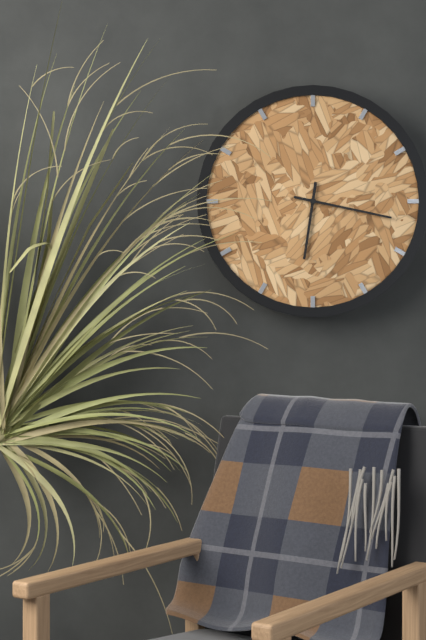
6:17
